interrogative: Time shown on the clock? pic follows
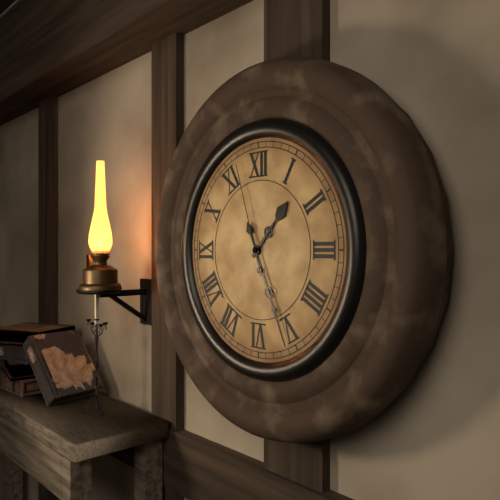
1:26:57
